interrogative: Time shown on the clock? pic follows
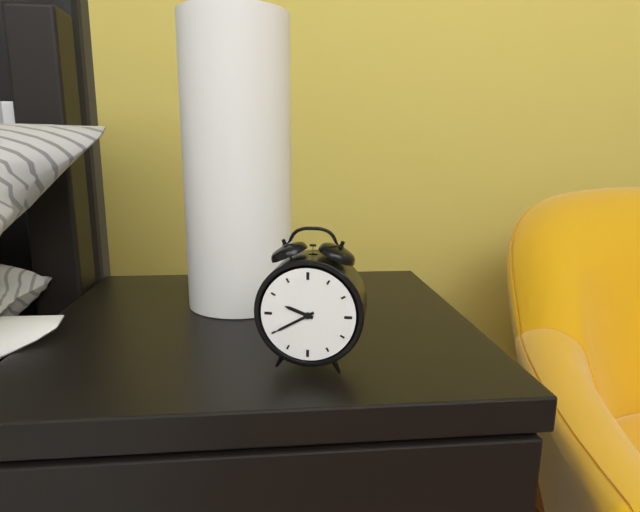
9:40
